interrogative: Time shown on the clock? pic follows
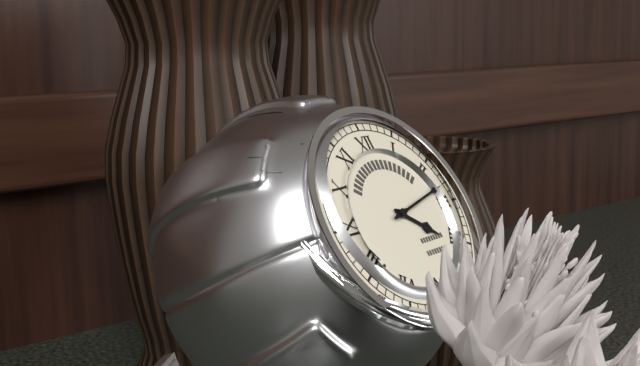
4:13
